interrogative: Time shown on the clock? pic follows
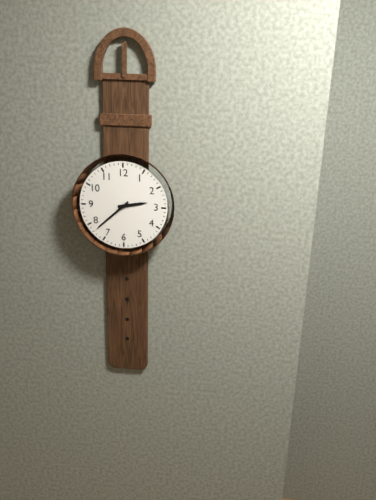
2:38
